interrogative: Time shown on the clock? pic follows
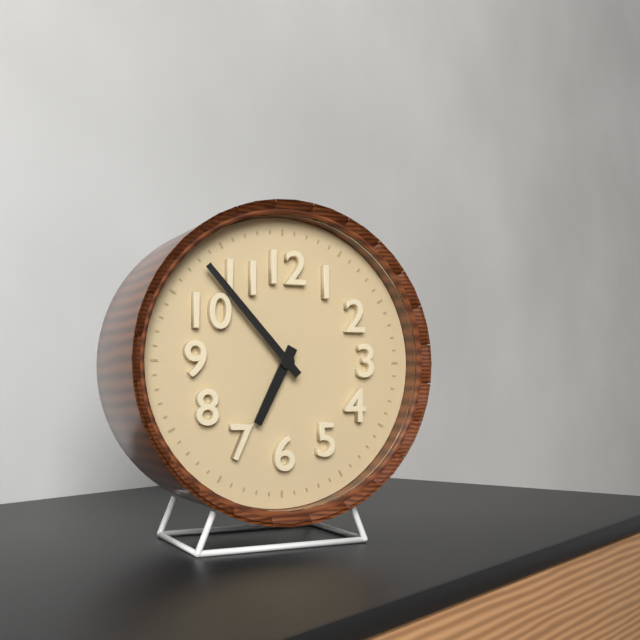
6:53
